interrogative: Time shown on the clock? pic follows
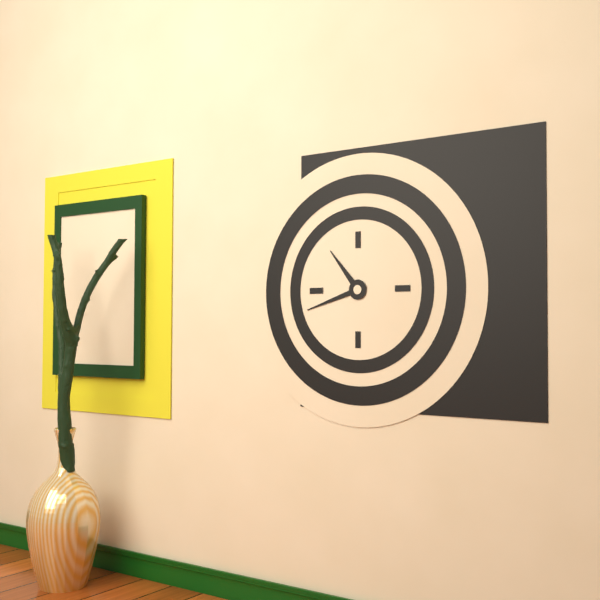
10:42
